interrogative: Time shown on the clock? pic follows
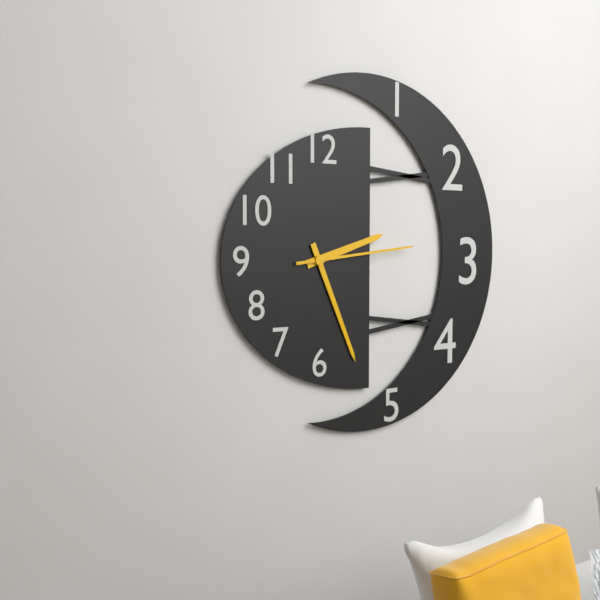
2:26:14
